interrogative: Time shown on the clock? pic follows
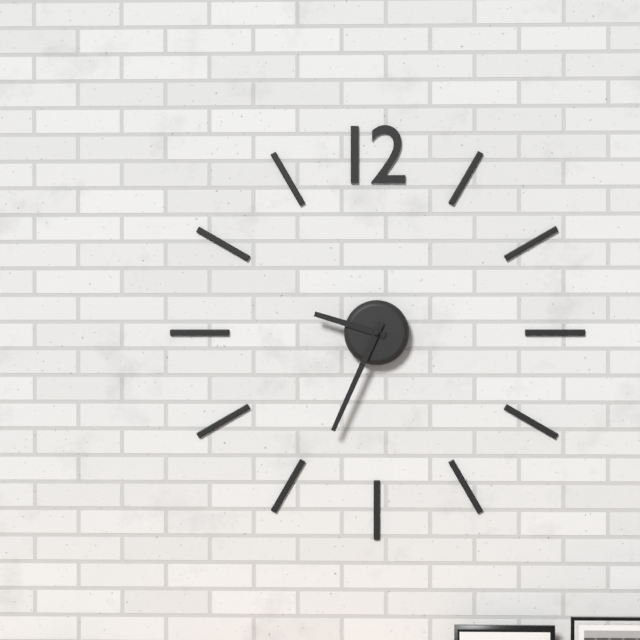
9:34
